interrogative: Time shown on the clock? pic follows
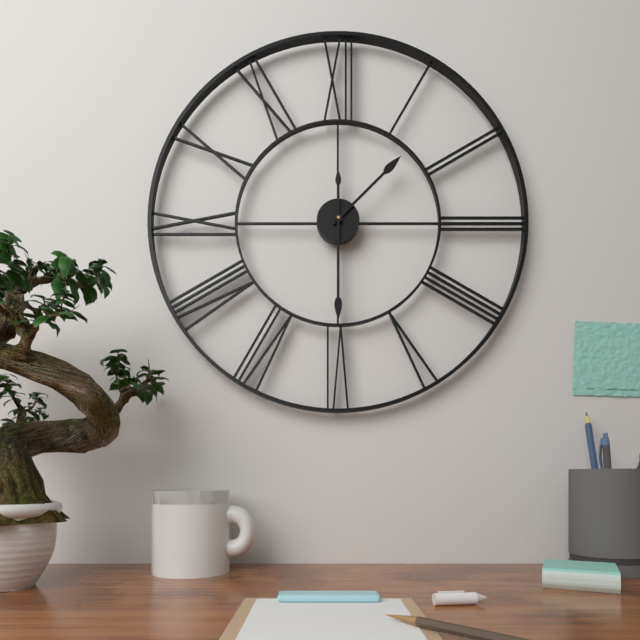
1:30
